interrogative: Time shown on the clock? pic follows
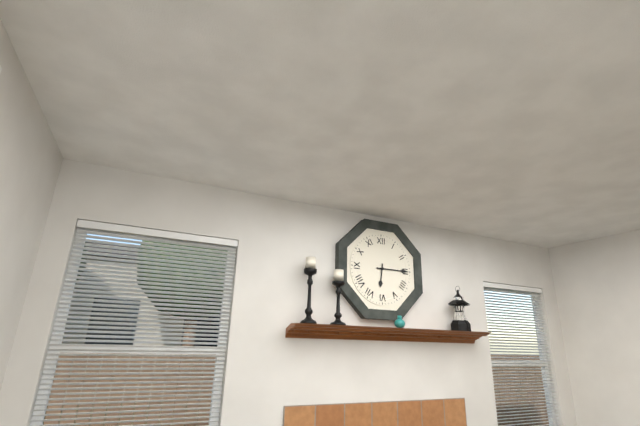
6:15
